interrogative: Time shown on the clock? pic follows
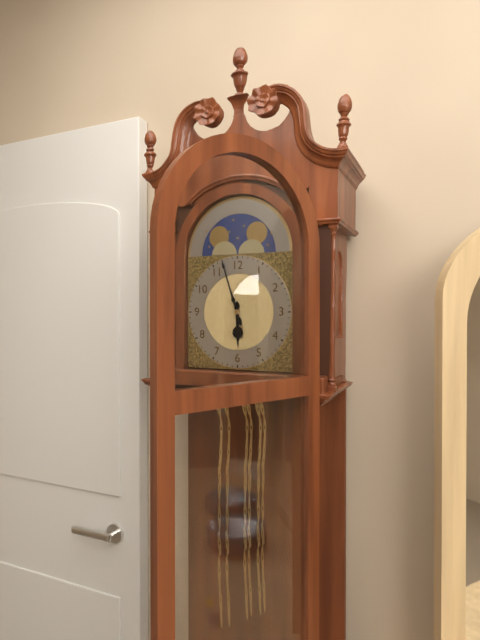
5:57
